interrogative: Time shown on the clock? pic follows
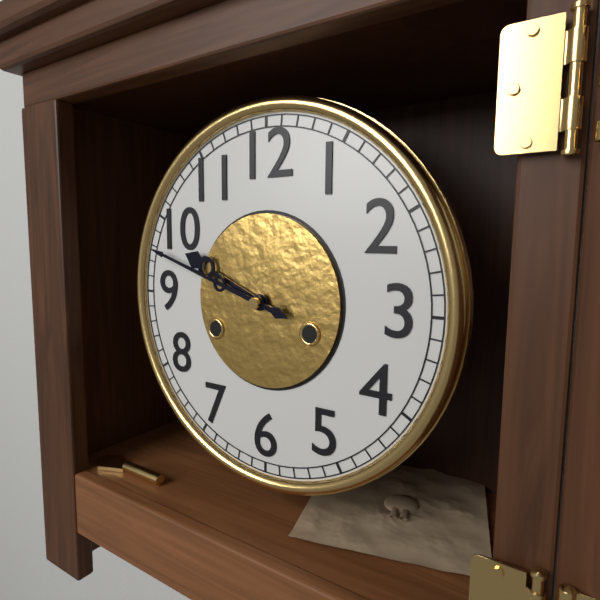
9:48
